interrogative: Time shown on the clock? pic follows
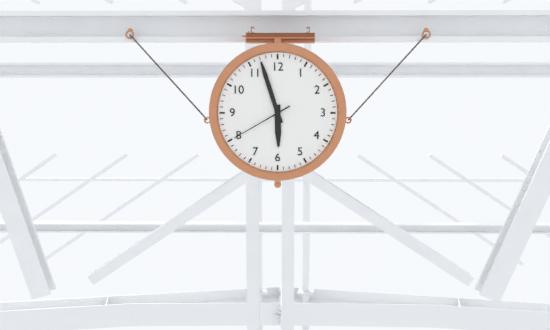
5:57:40
